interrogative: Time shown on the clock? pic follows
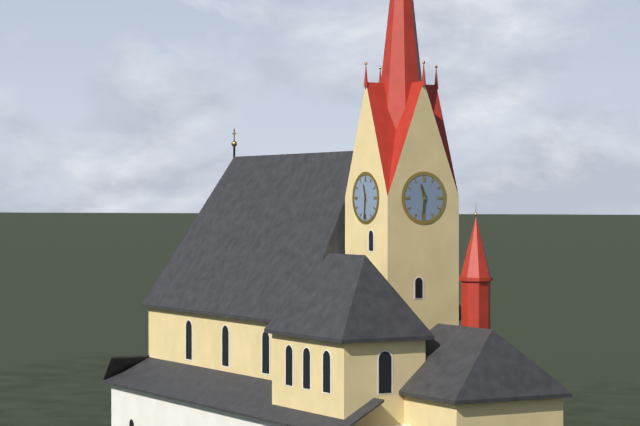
11:31
